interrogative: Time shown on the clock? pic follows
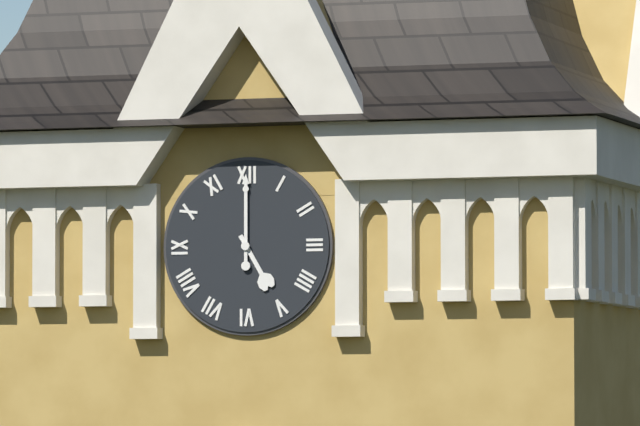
5:00
